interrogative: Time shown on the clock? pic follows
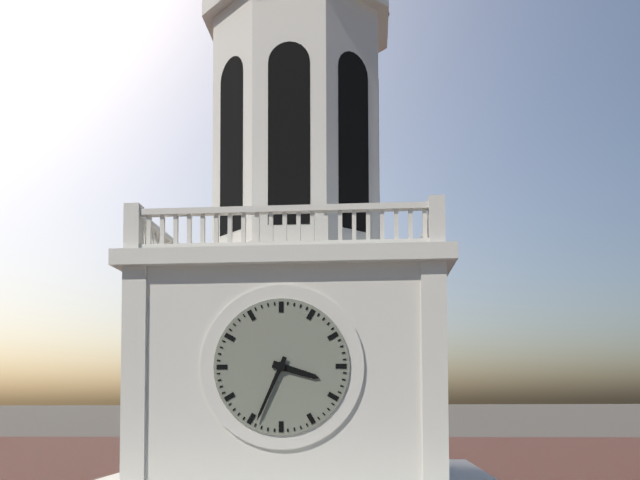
3:34
